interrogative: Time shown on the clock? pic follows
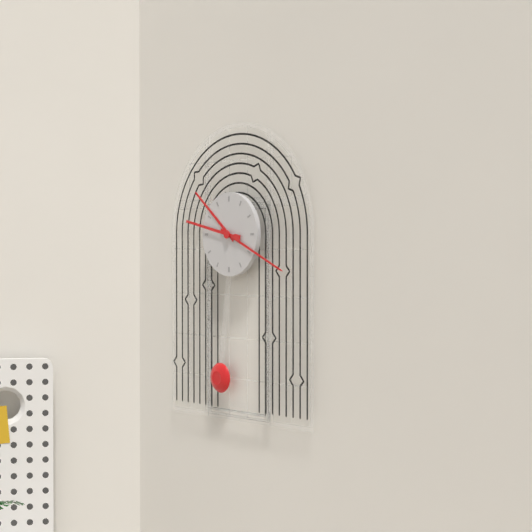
10:19:47
